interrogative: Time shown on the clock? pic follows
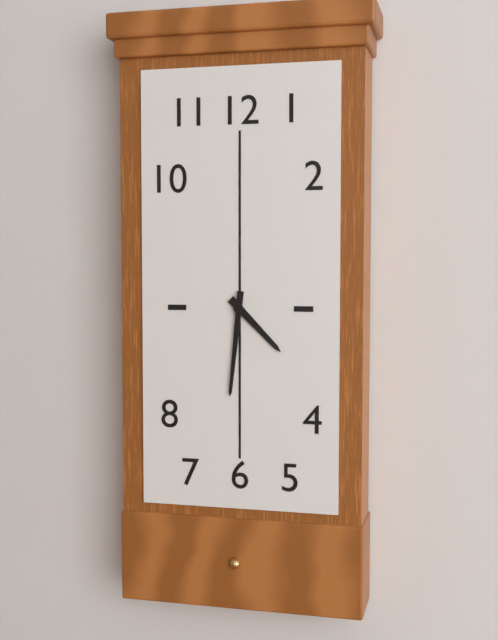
4:31
